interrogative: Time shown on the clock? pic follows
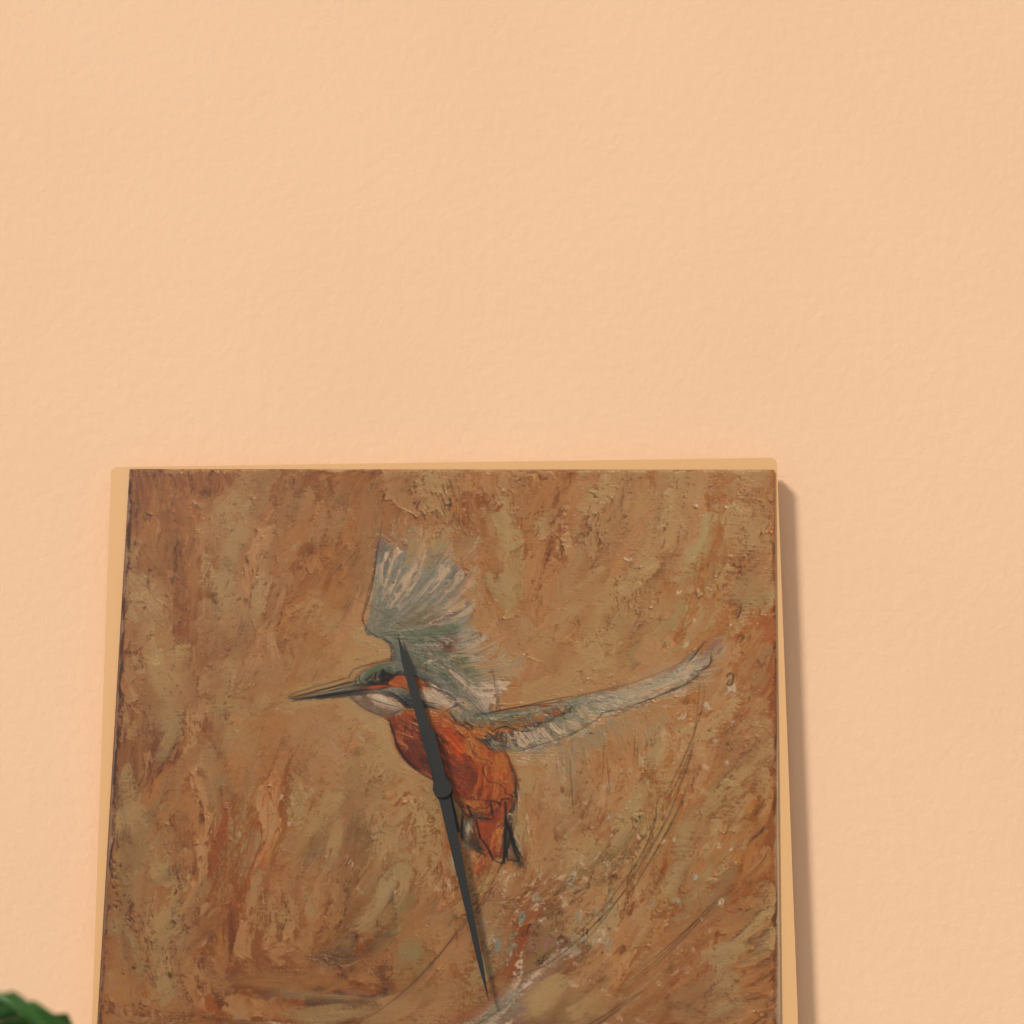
11:28
